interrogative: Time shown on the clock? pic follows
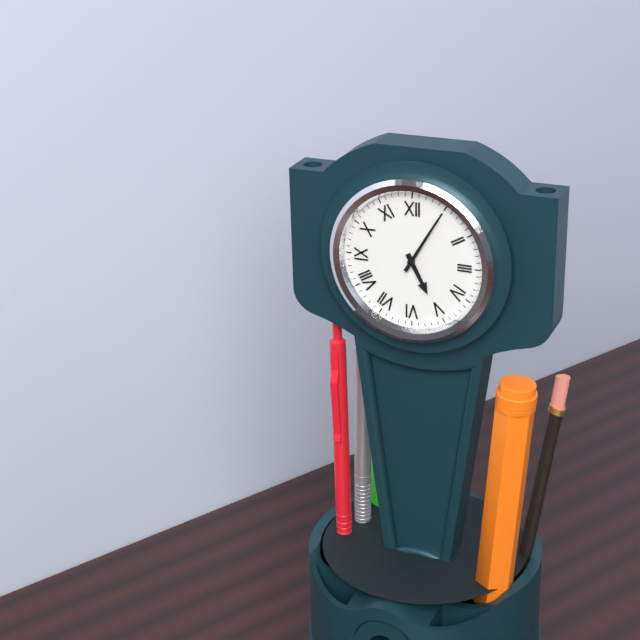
5:05
